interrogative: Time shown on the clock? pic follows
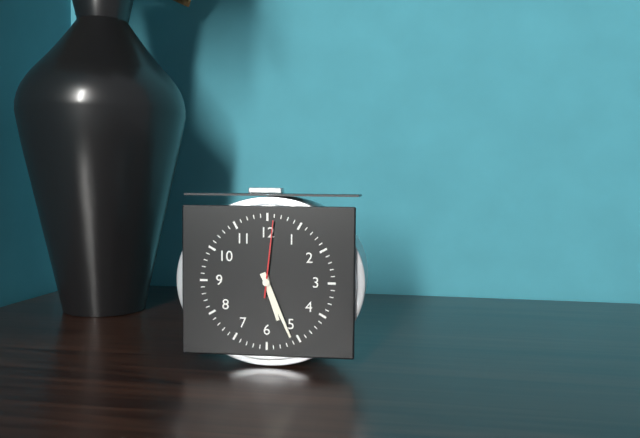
5:26:01
